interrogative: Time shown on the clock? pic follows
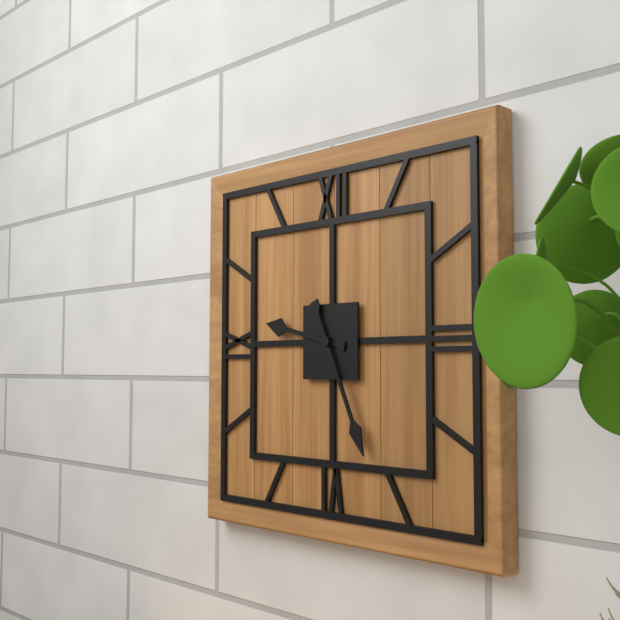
9:26
